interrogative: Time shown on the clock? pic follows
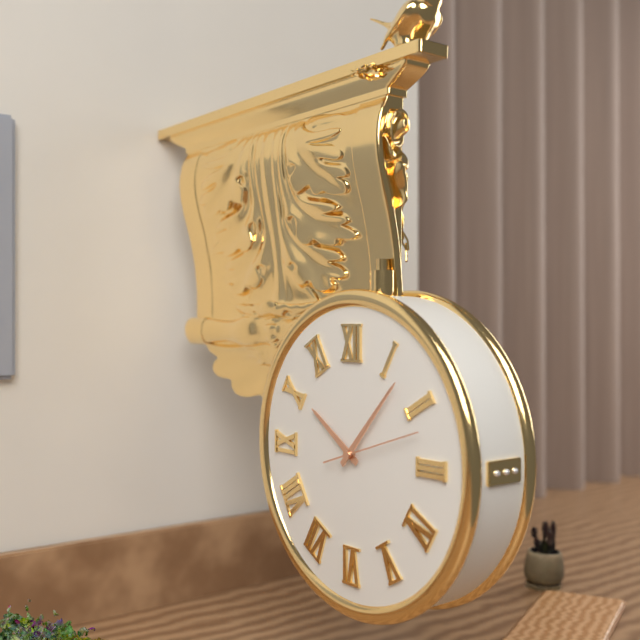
10:07:12
